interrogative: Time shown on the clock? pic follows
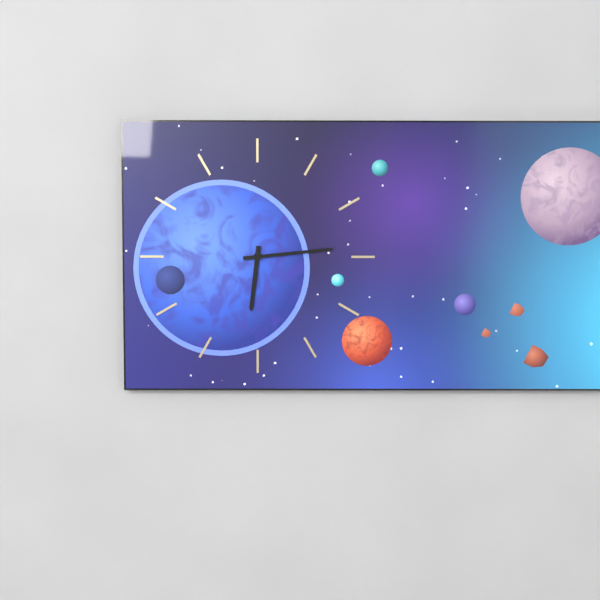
6:14
